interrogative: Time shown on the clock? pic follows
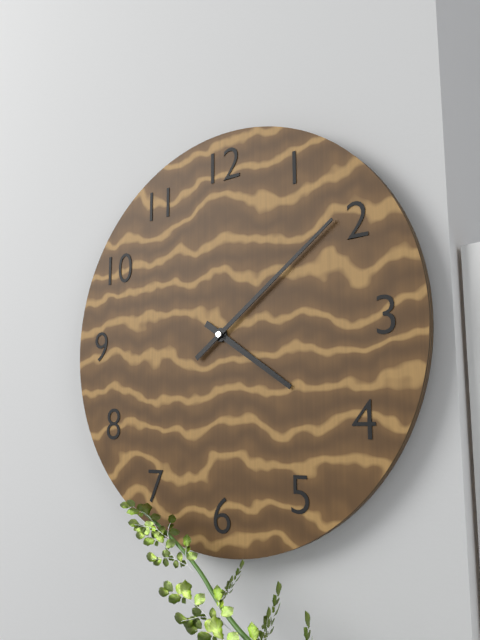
4:09
